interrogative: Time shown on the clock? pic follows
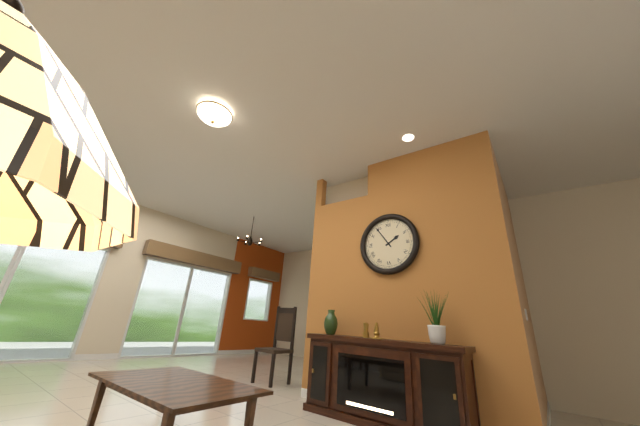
1:54
